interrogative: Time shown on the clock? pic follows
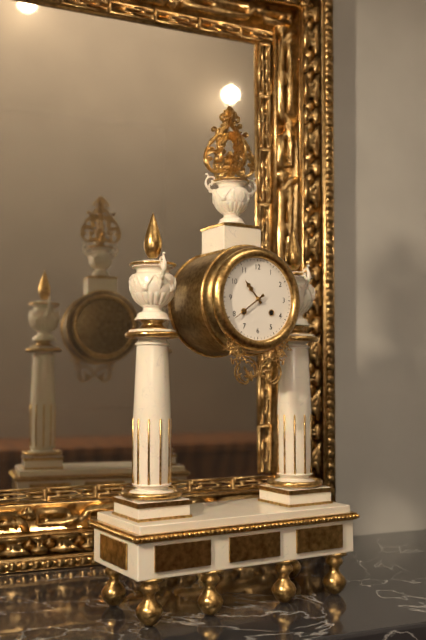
10:39
